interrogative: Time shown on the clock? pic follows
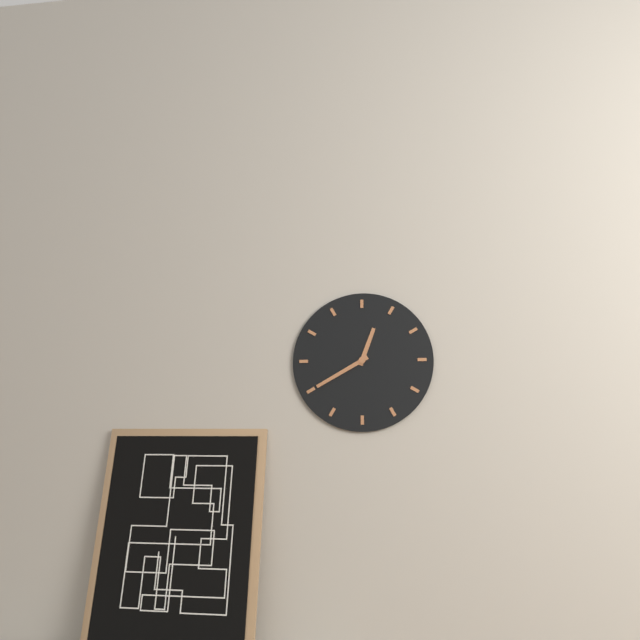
12:40
